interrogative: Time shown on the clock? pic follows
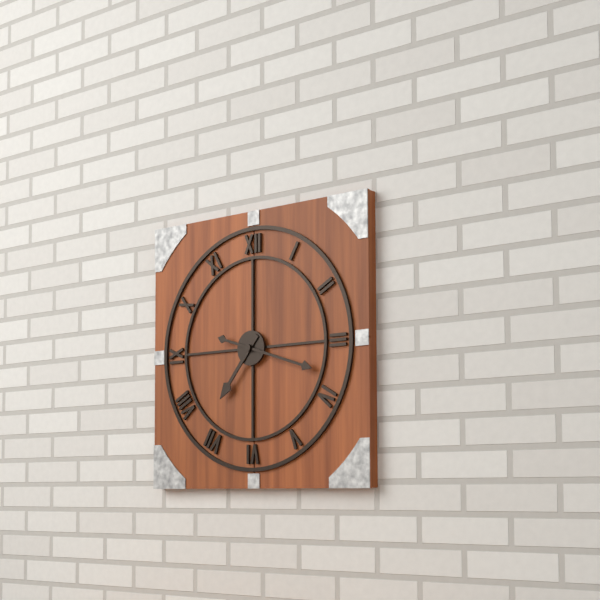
7:18
